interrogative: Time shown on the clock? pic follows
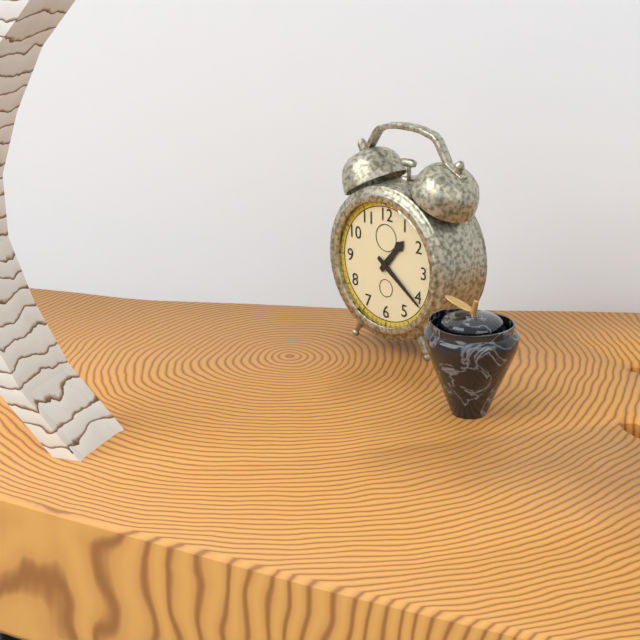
1:21
